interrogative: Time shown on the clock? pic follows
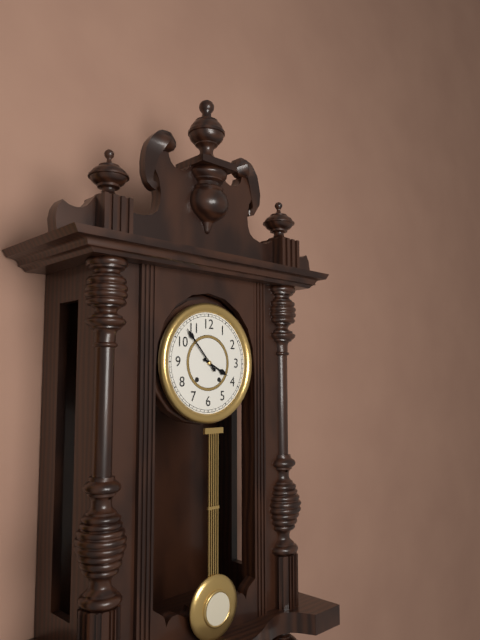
3:53
